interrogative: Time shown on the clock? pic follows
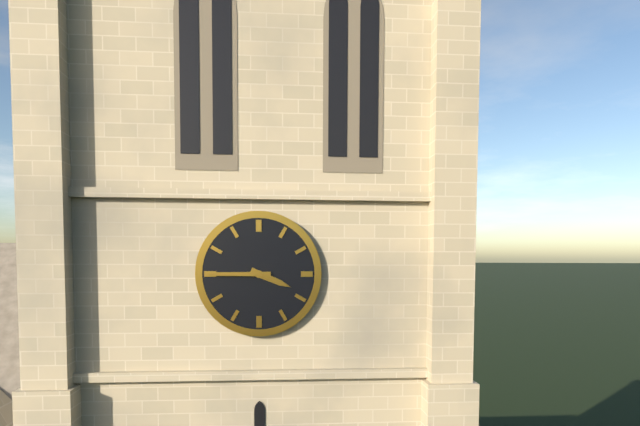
3:45
